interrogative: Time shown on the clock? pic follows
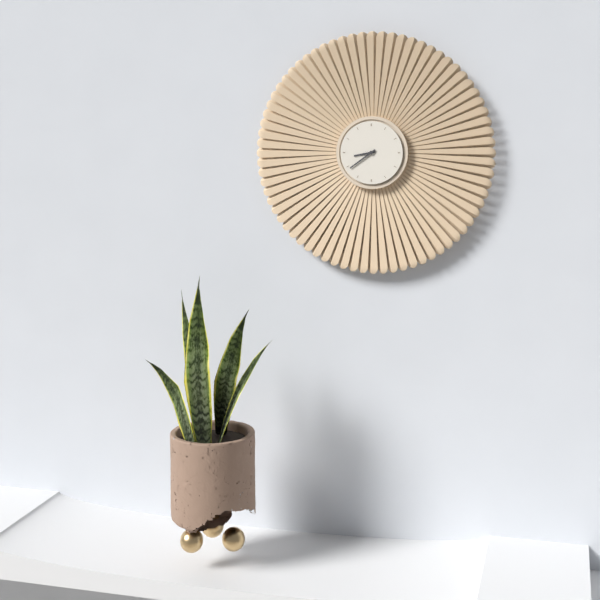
8:39
